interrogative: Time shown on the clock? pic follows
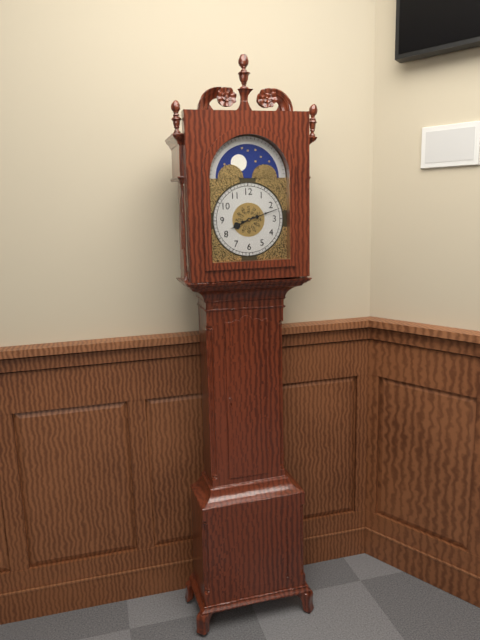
8:12
